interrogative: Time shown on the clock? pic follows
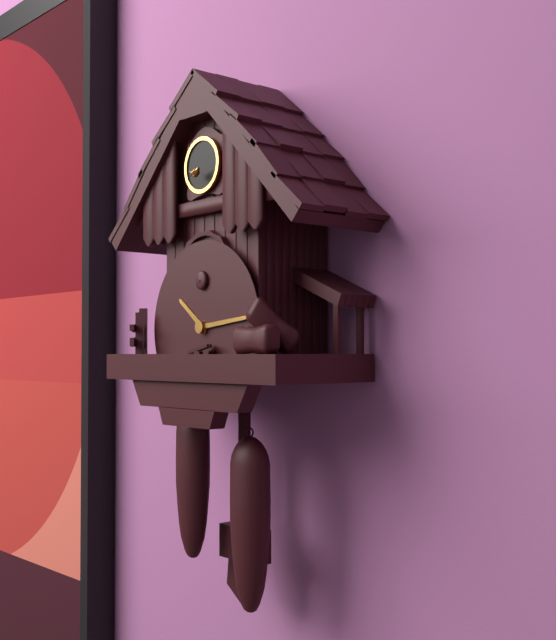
10:14
